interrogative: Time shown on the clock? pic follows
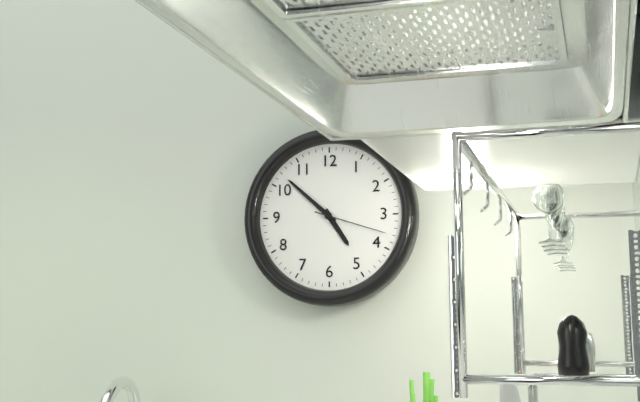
4:52:18
